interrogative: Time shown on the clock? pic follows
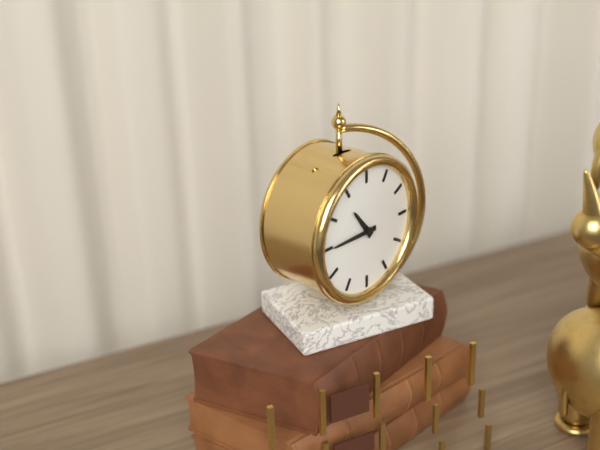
10:45
